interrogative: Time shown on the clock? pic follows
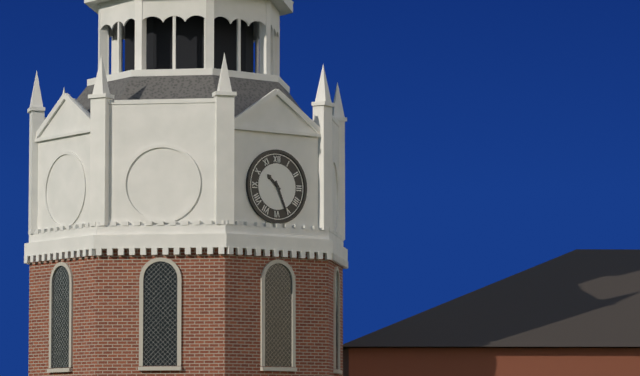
10:26
